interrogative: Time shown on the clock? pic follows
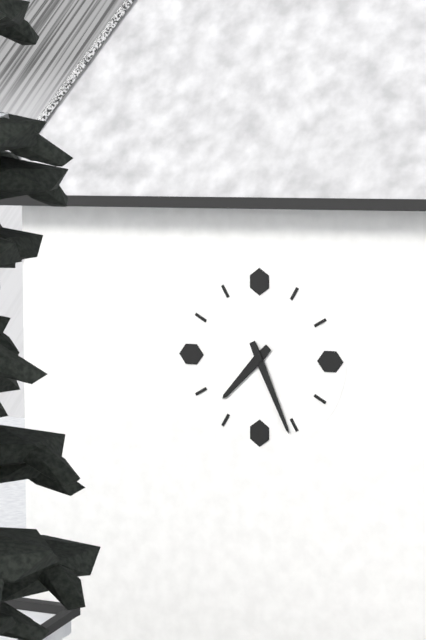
7:26
